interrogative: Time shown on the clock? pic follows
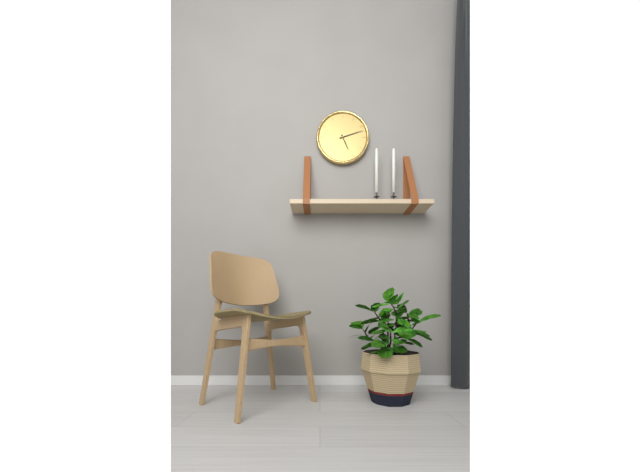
5:12
